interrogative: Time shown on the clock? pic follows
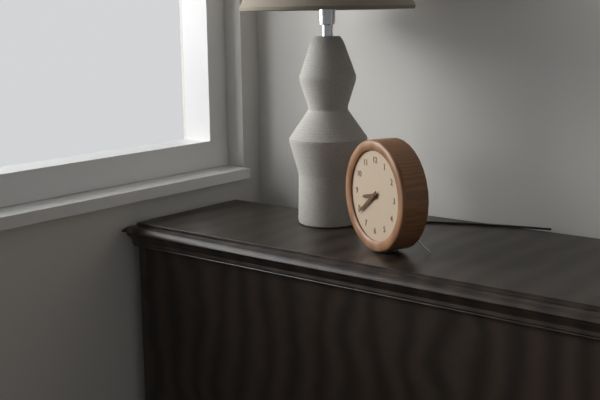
8:39
